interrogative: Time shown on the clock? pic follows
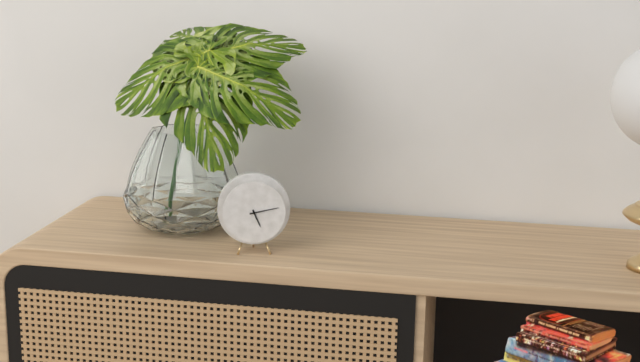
5:13
